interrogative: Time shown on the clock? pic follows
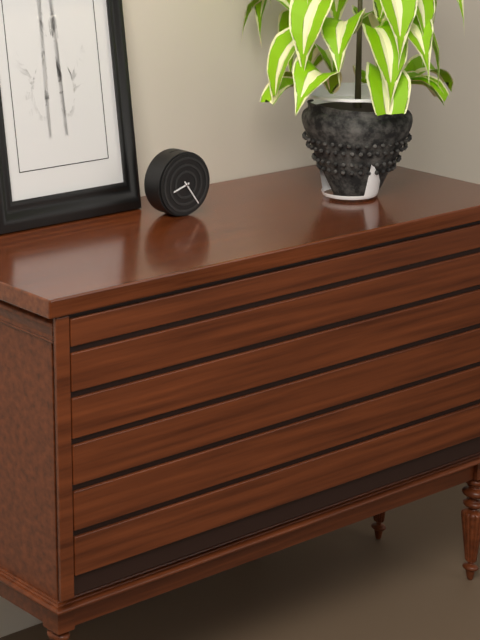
8:24
